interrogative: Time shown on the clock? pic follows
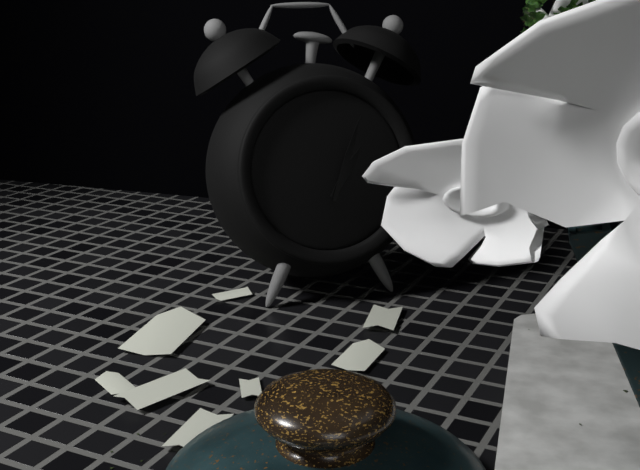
1:03
